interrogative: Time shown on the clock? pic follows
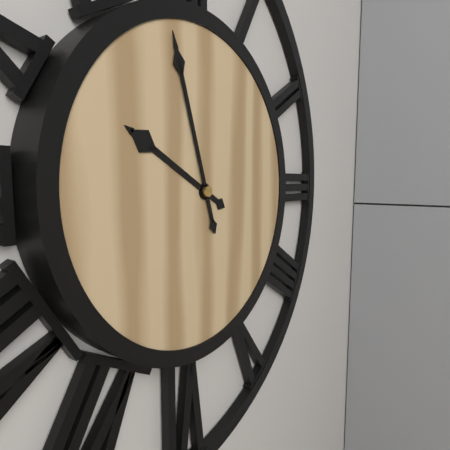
9:57
